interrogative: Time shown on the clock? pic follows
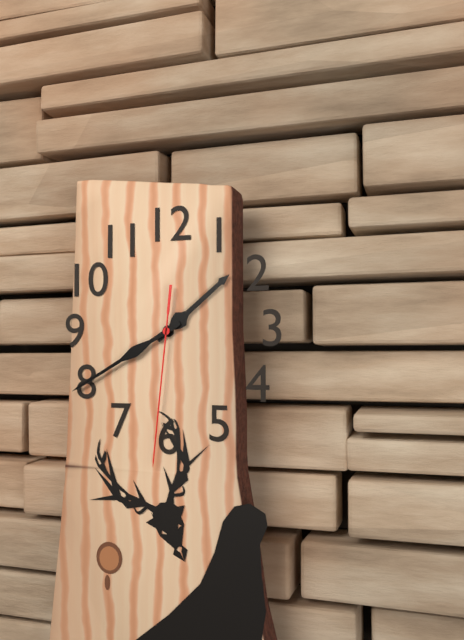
1:40:31
